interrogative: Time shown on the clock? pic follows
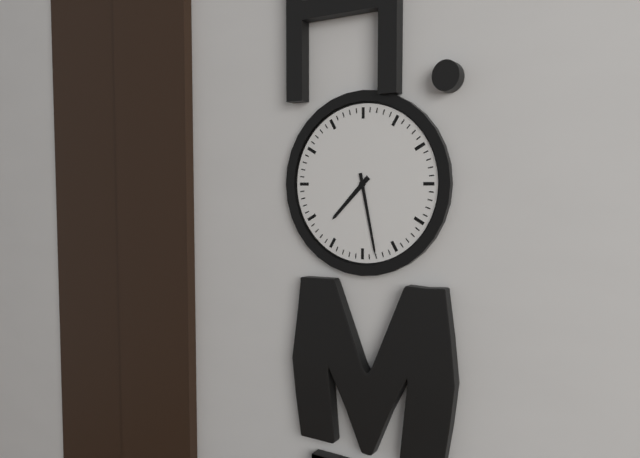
7:28
